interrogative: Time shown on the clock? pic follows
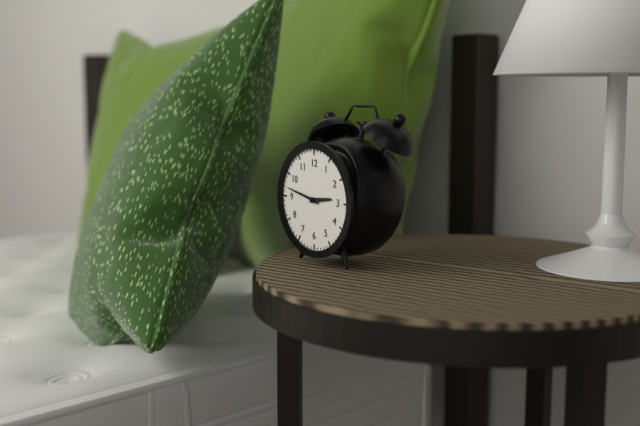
2:47
